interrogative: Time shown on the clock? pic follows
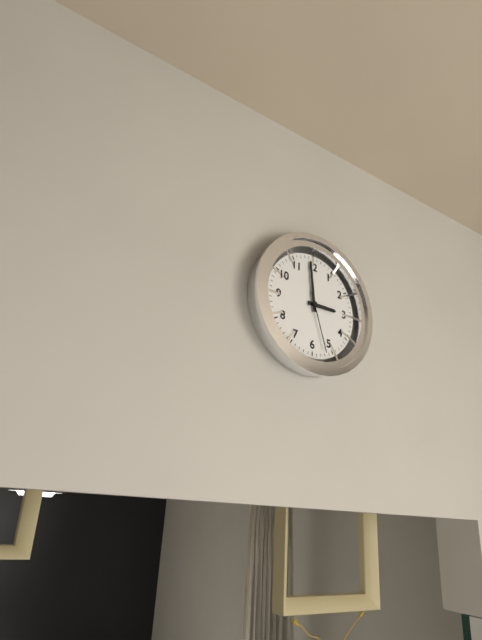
2:59:27
